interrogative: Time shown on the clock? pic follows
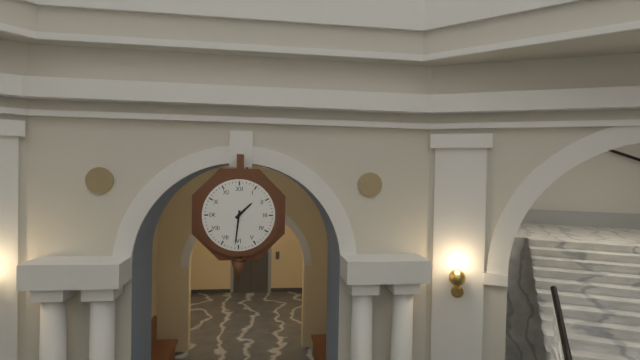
1:31
